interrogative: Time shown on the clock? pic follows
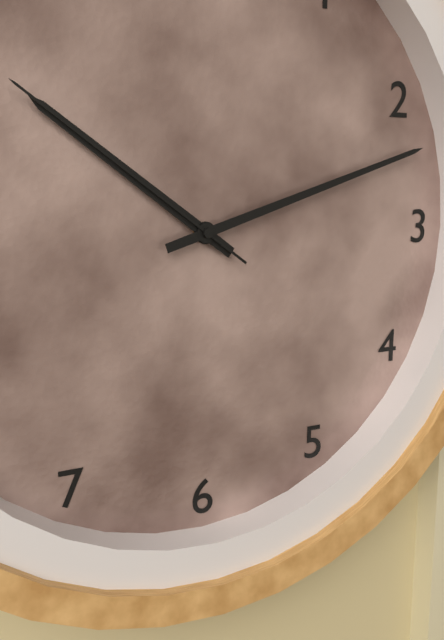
10:12:51
